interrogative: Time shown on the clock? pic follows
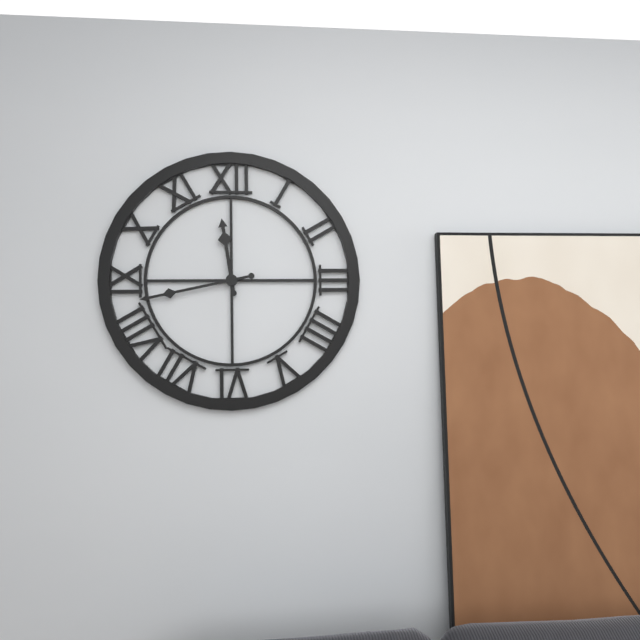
11:43
